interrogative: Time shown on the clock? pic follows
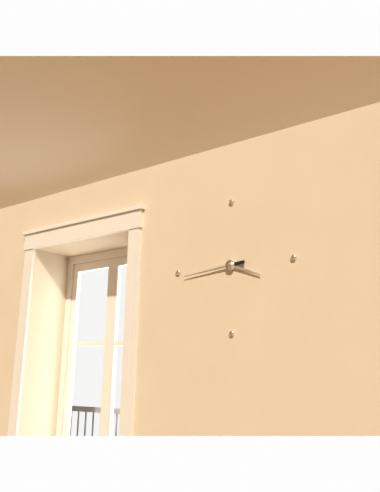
3:44
